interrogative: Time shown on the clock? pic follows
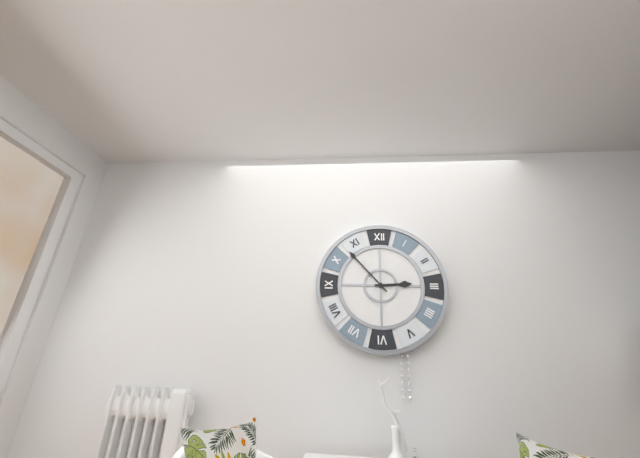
2:53
